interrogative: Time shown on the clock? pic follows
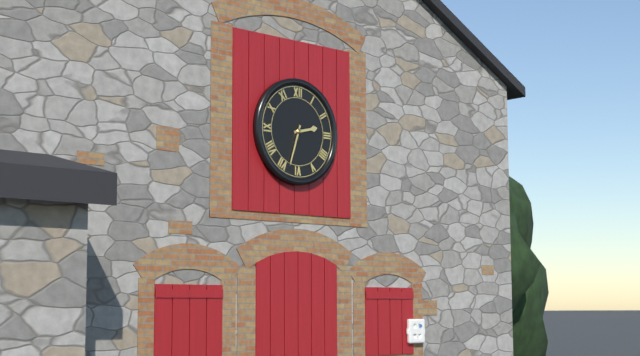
2:33
